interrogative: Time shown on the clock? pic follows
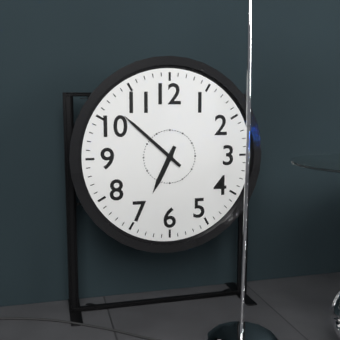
6:52
